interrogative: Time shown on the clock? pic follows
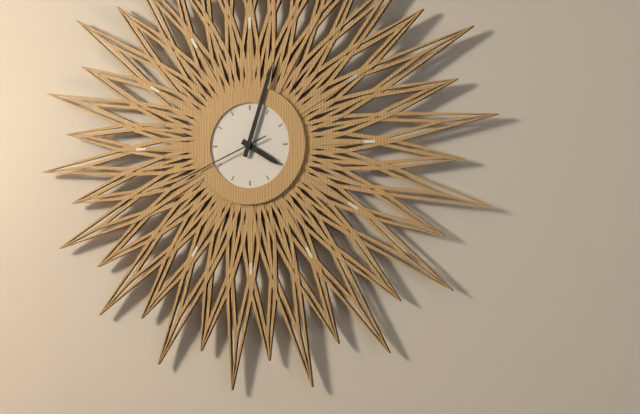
4:03:41
